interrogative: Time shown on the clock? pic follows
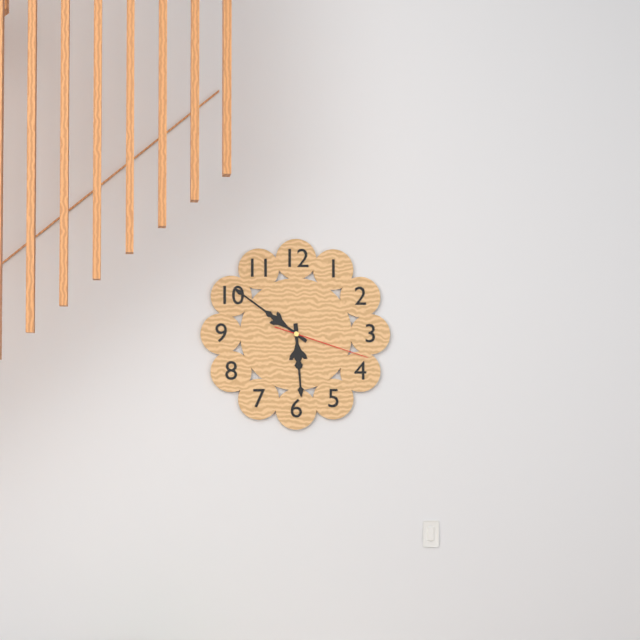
5:51:18
